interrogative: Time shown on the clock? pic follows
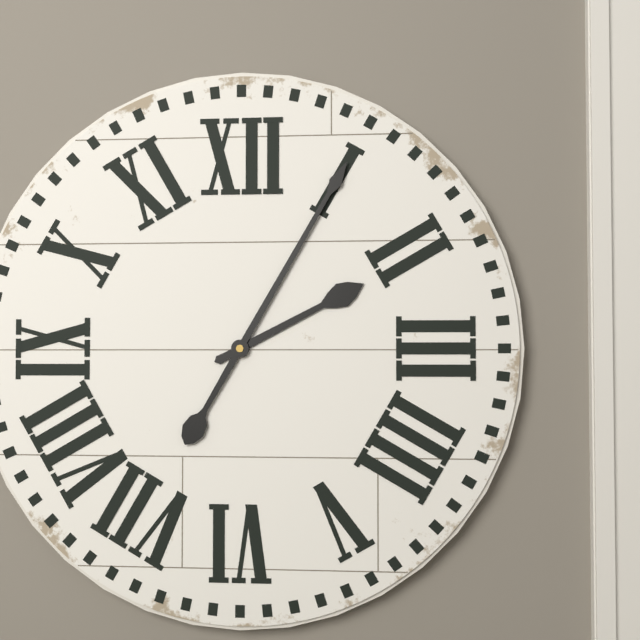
2:05
